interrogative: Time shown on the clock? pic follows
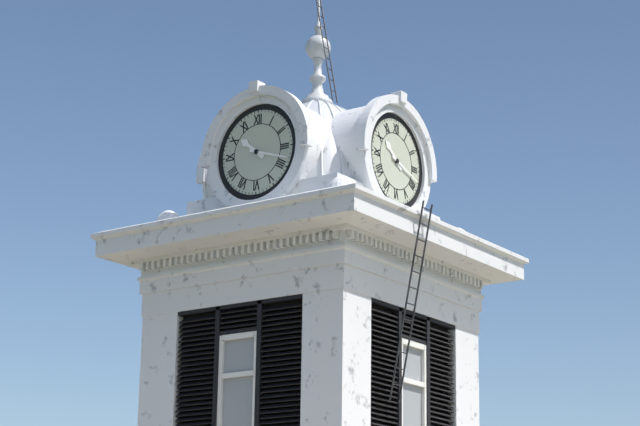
10:18
